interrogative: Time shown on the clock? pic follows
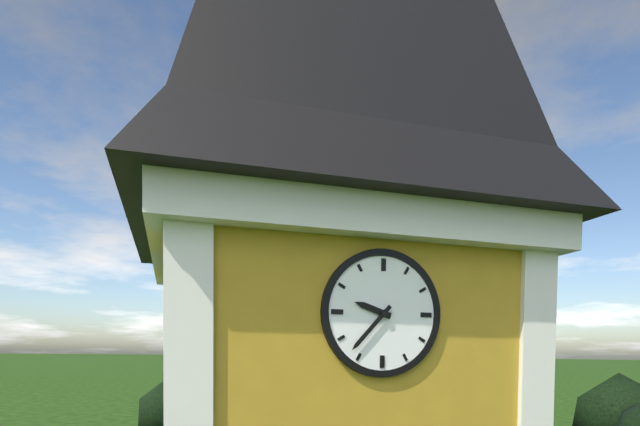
9:37
